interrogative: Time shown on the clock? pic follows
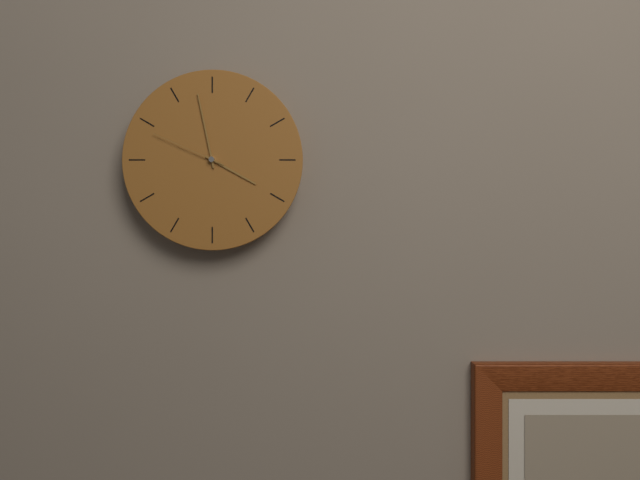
3:58:49
